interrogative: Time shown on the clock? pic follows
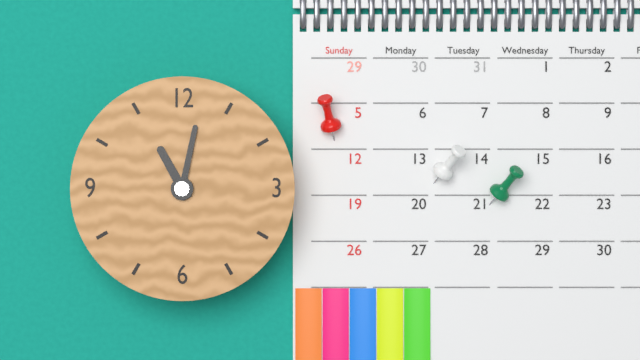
11:02
